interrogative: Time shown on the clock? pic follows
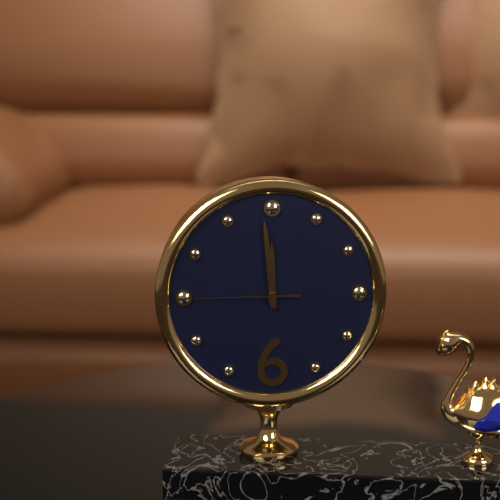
11:59:45
